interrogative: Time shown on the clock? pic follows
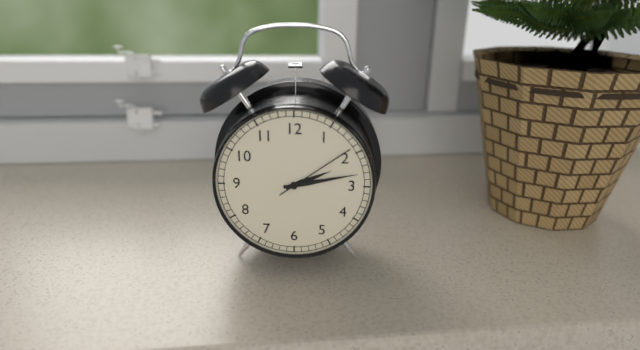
2:13:09
